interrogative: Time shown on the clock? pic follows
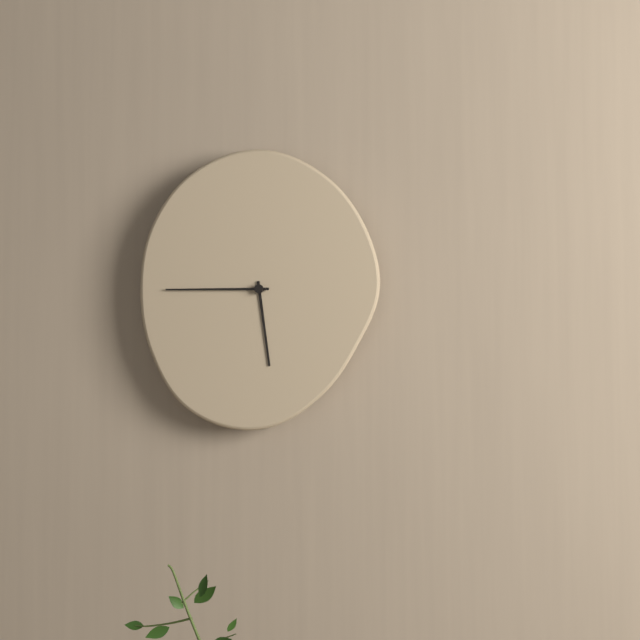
5:45
